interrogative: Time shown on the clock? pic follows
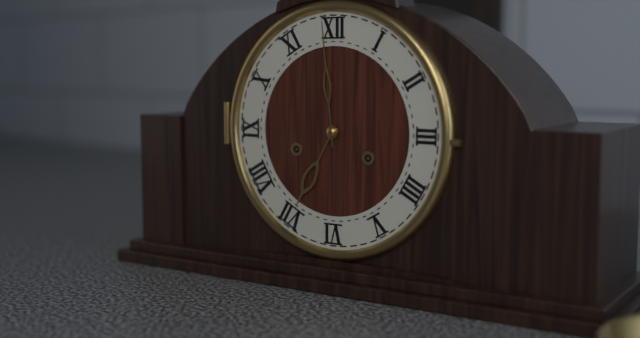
6:59
